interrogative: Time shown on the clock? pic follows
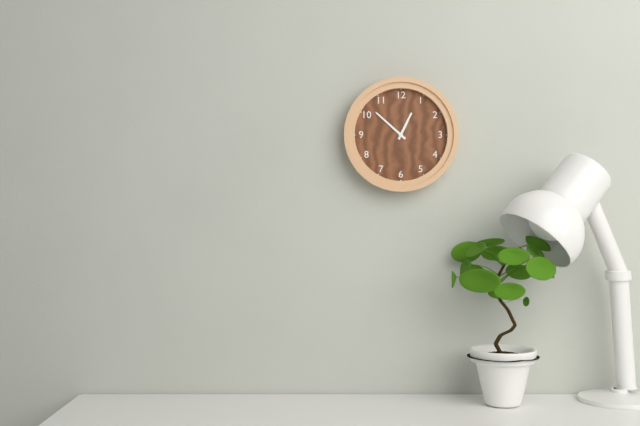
12:52
